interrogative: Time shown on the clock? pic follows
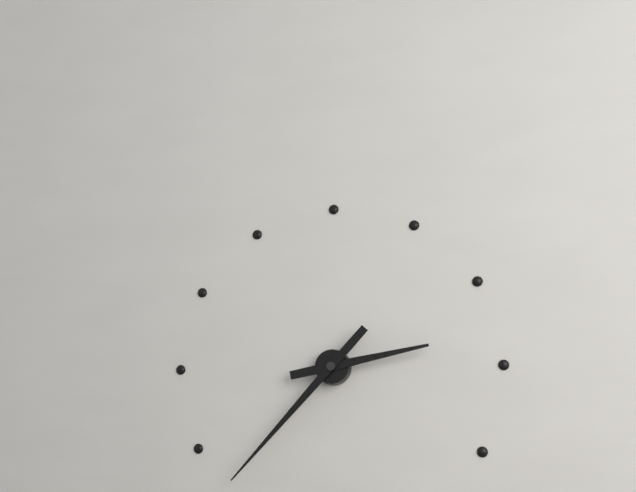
2:37
